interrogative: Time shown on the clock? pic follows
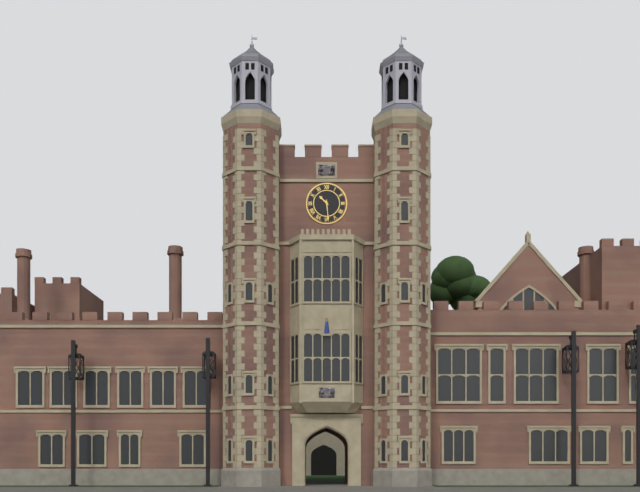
10:29
